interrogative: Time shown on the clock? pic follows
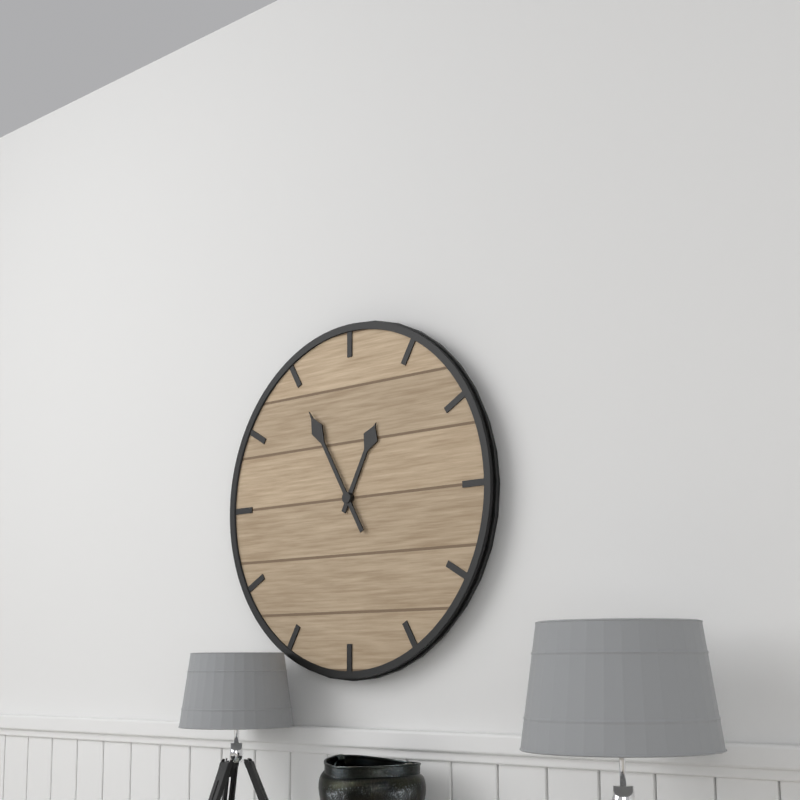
12:55
